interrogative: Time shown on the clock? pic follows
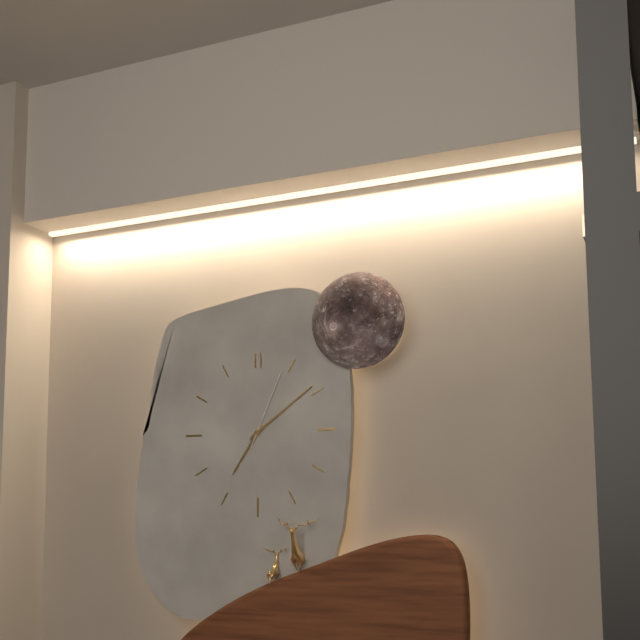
7:09:04
